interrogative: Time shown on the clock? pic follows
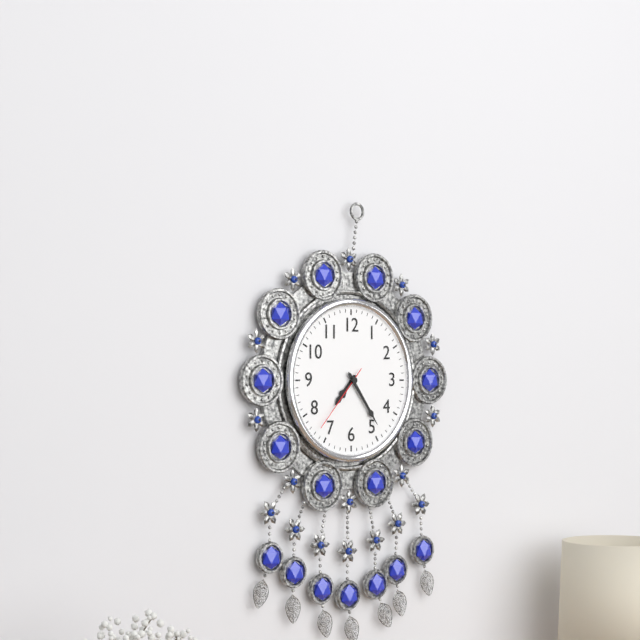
7:24:37
